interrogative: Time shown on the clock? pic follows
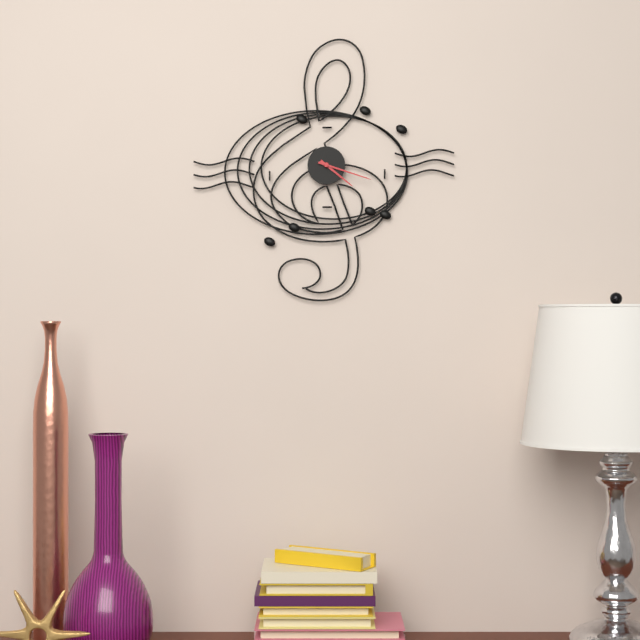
4:18
